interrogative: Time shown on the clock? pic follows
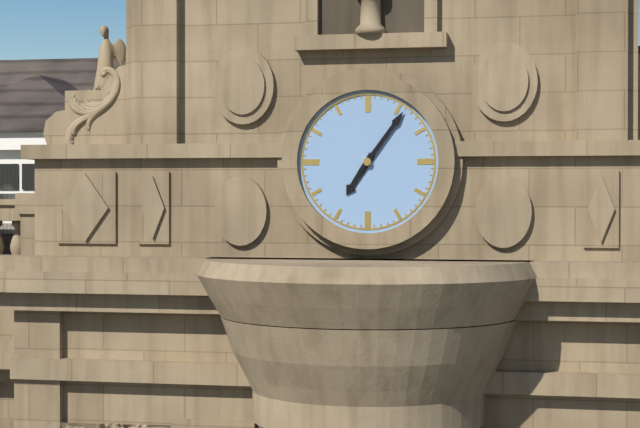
7:06
